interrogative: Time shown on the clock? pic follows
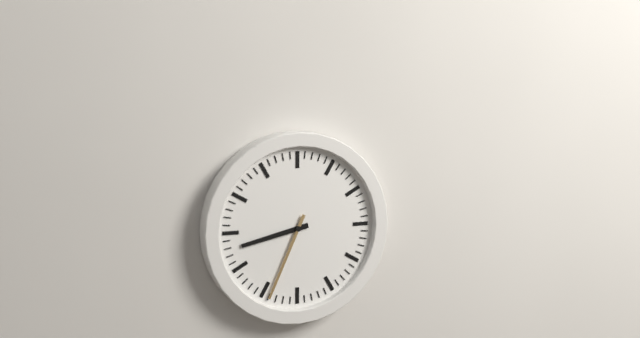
8:34
